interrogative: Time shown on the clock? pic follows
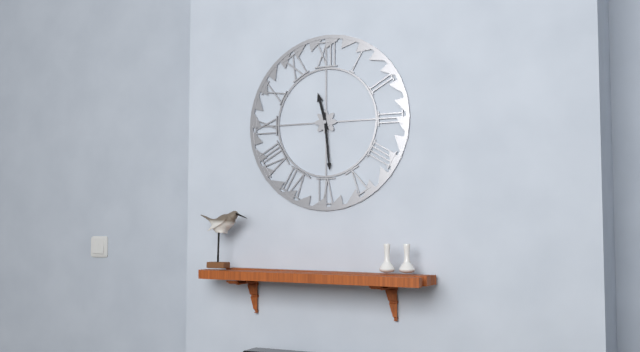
11:29
